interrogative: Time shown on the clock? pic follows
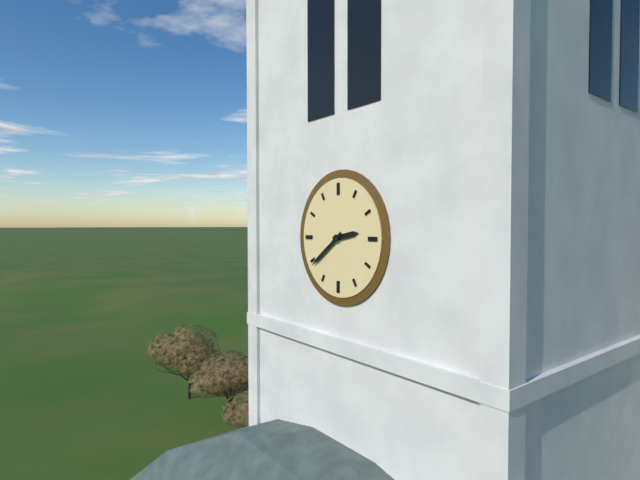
2:39
